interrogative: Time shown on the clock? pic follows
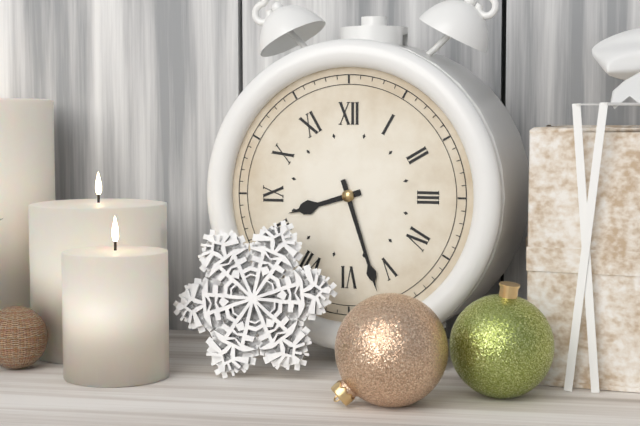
8:27
